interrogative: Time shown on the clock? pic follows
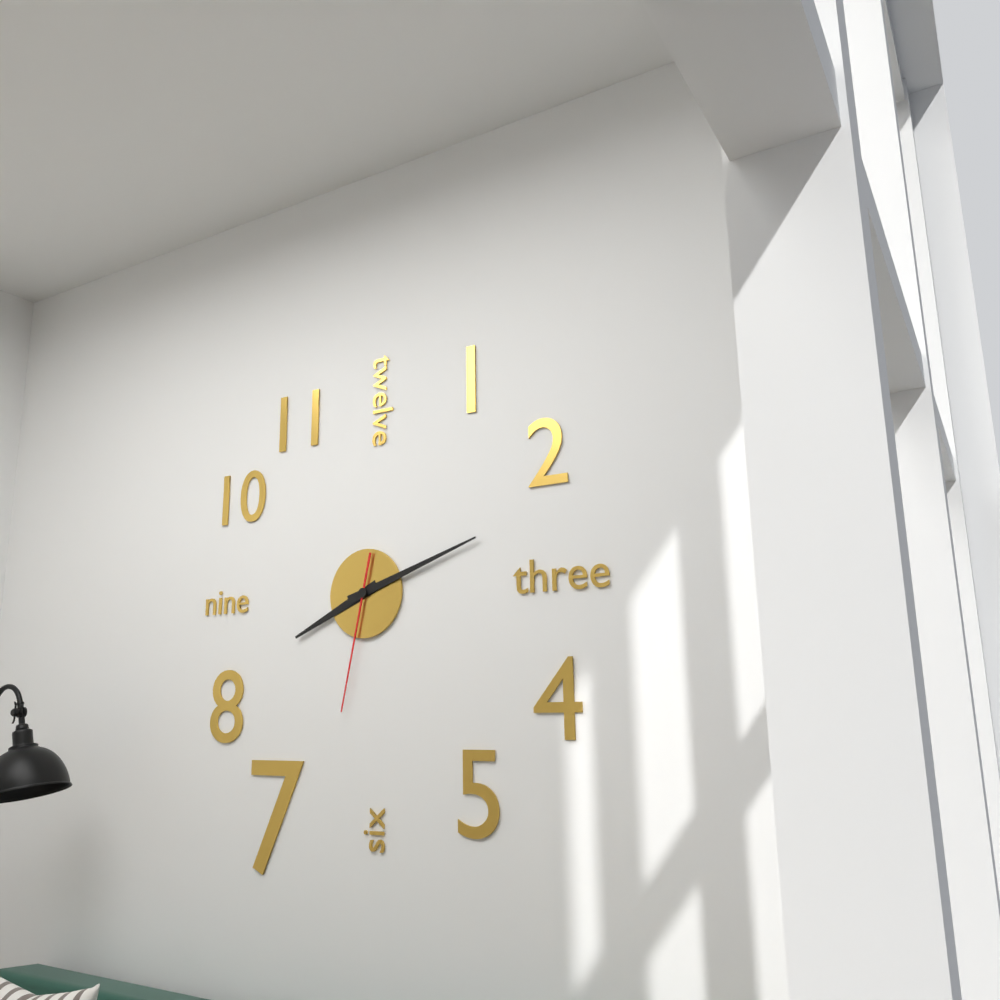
8:12:32
